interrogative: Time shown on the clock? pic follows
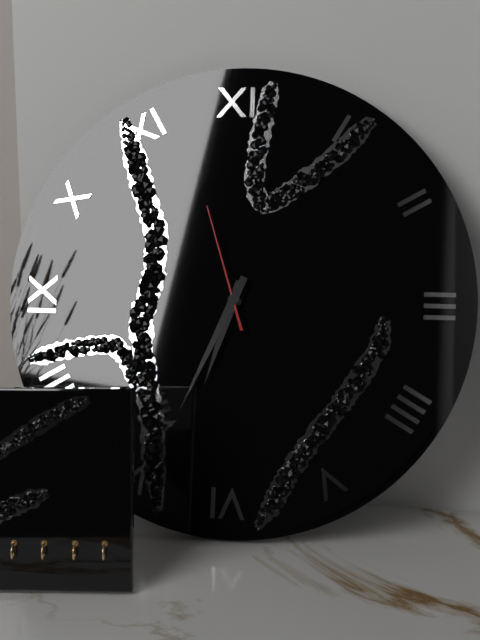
6:34:57
